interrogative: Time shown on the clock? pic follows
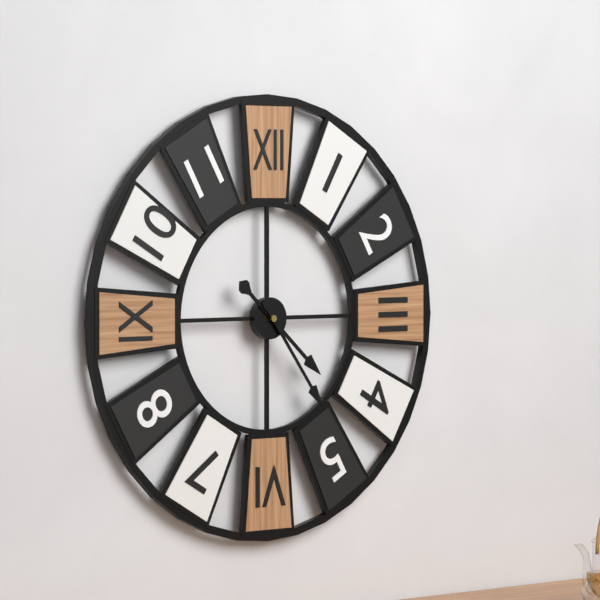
4:24
